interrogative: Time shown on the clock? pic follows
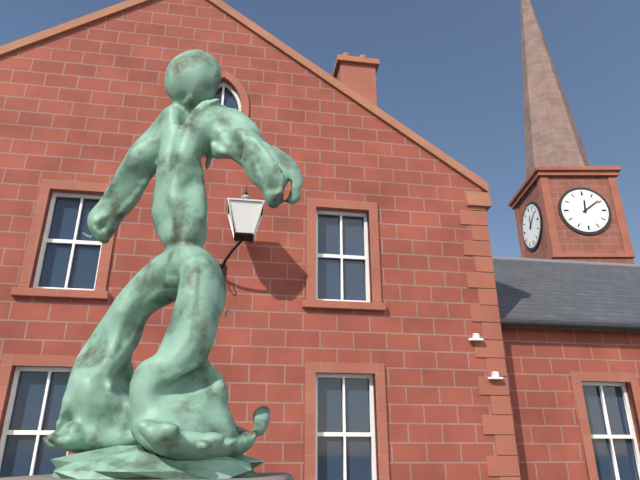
12:09
